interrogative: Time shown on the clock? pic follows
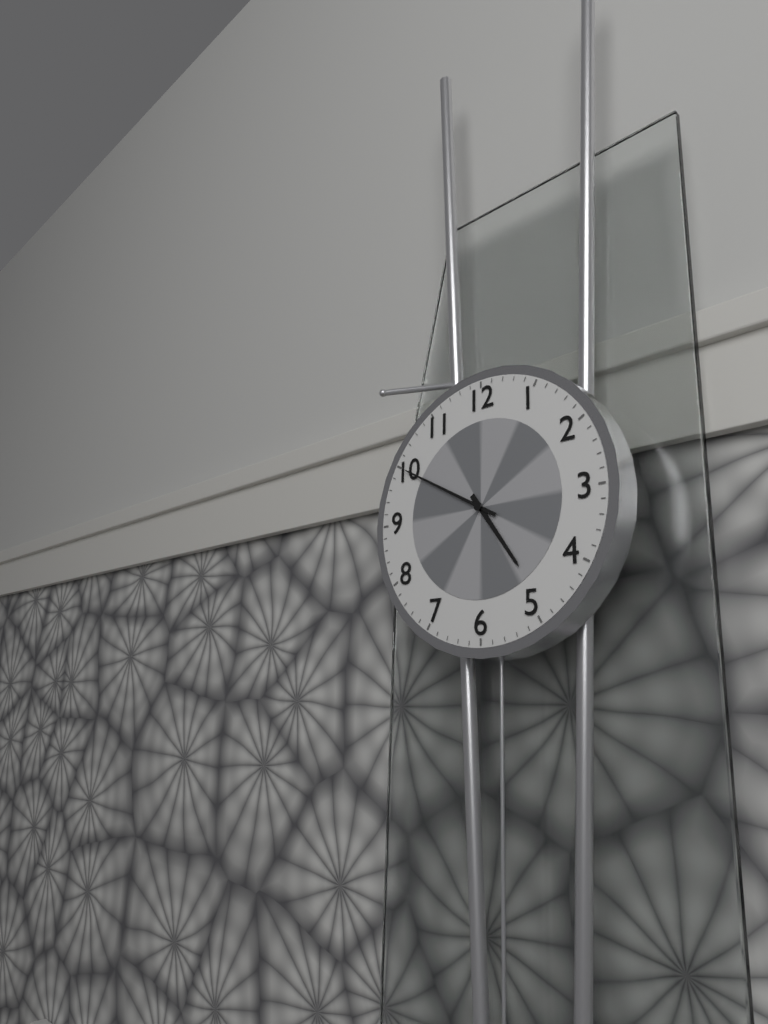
4:50
